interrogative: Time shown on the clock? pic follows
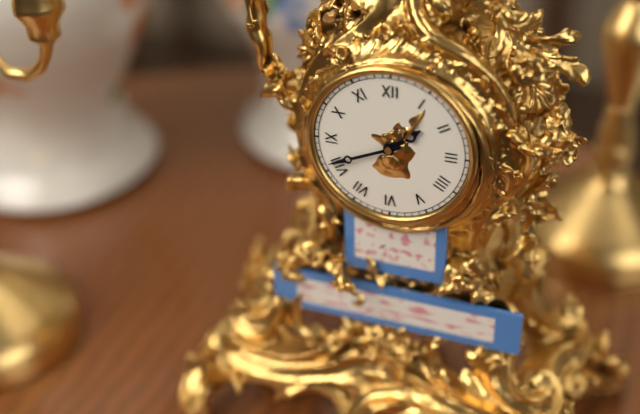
1:41
